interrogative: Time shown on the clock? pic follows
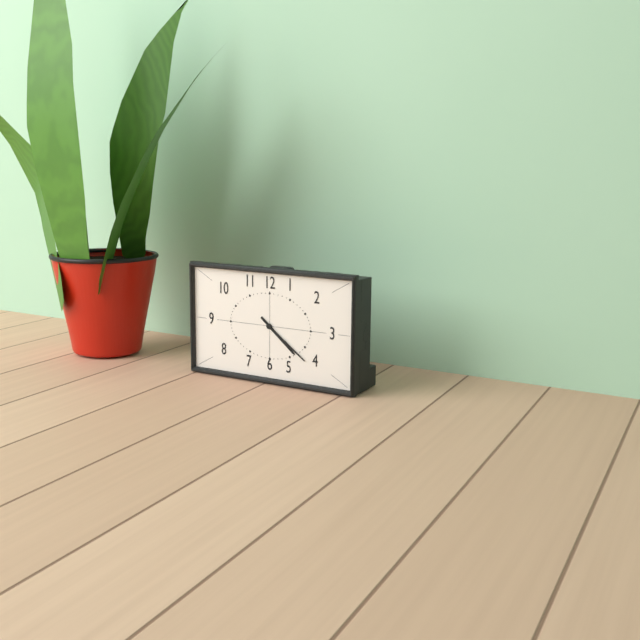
4:21
